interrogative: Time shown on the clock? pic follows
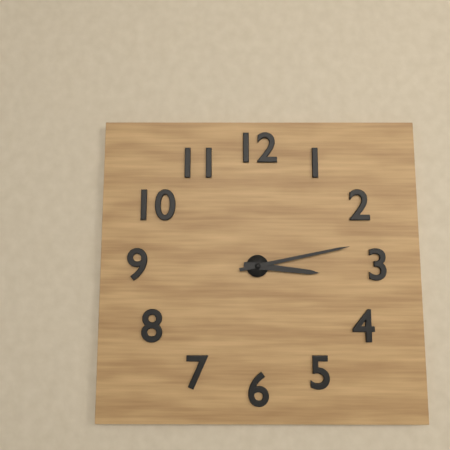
3:13
